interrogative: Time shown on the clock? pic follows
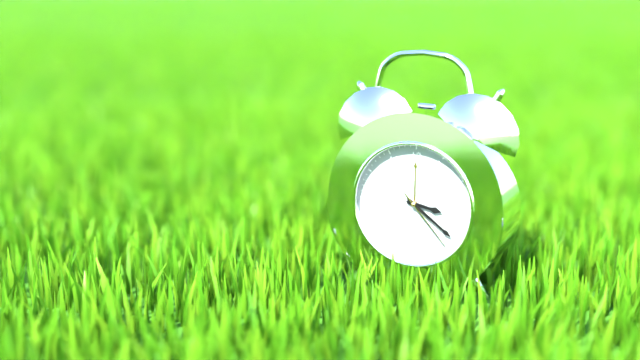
3:21:23
